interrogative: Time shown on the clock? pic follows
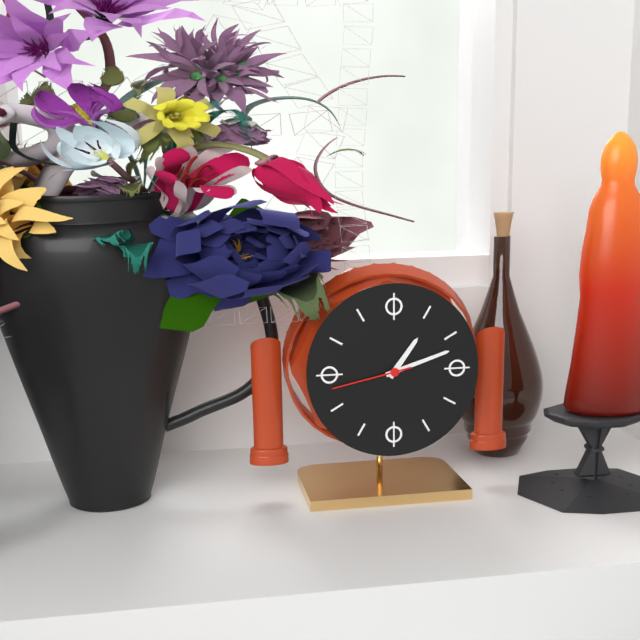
1:12:43
